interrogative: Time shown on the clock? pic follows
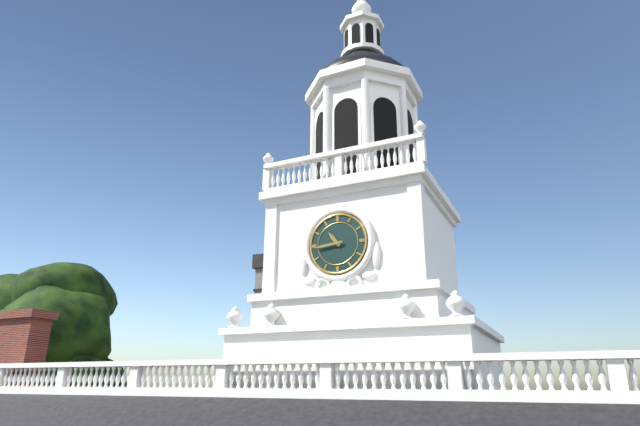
10:44
